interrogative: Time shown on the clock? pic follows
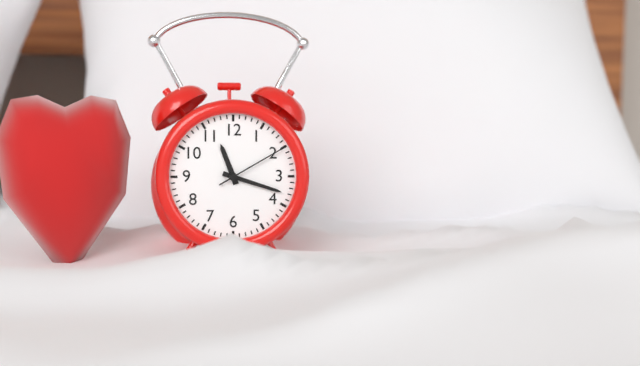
11:18:10
